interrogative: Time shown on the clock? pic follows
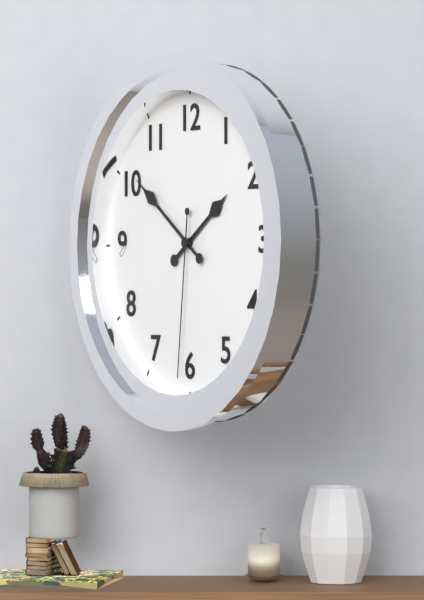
1:51:31
